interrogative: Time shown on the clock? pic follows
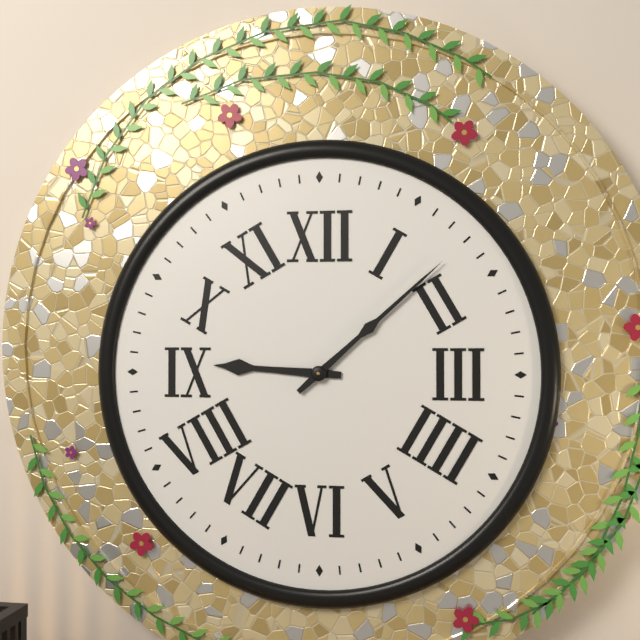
9:08
